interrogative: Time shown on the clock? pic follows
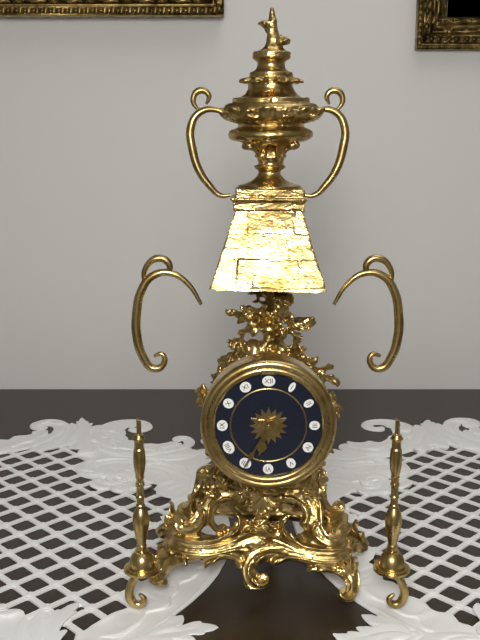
6:35
